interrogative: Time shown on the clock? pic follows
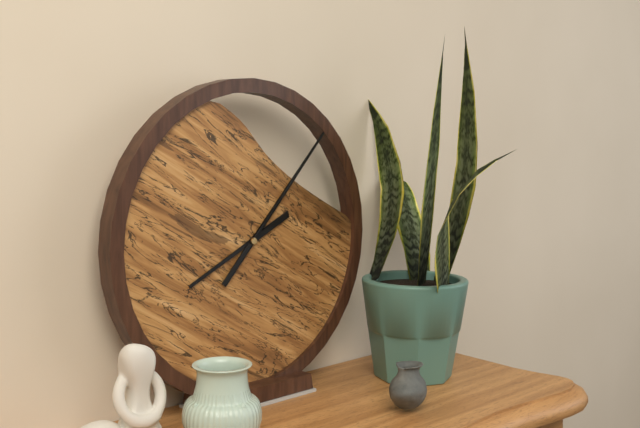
8:07
